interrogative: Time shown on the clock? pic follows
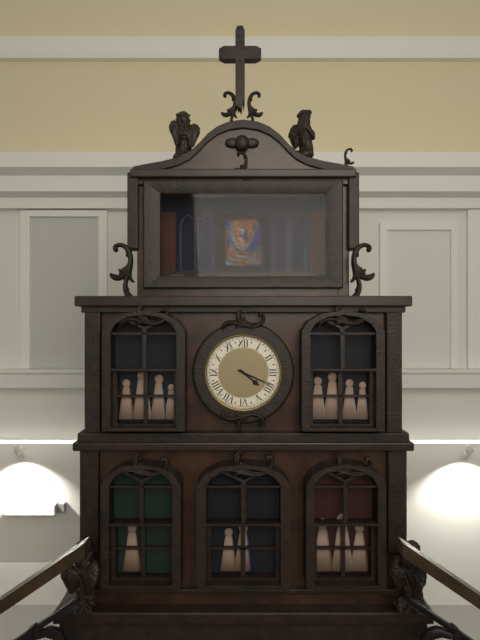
4:19
